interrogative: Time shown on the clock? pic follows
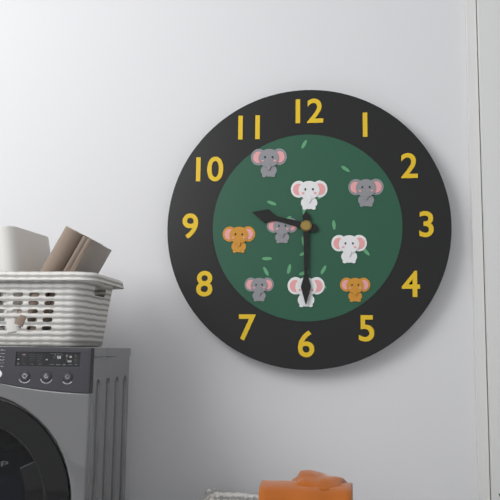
9:30
